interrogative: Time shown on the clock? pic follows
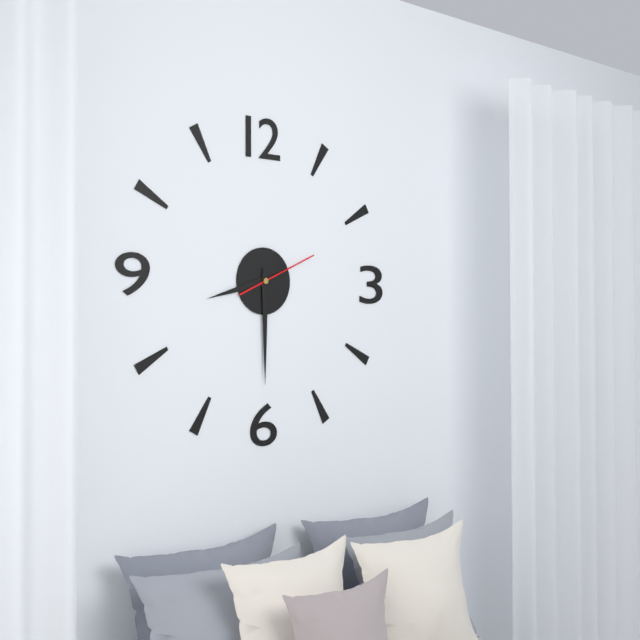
8:30:11
